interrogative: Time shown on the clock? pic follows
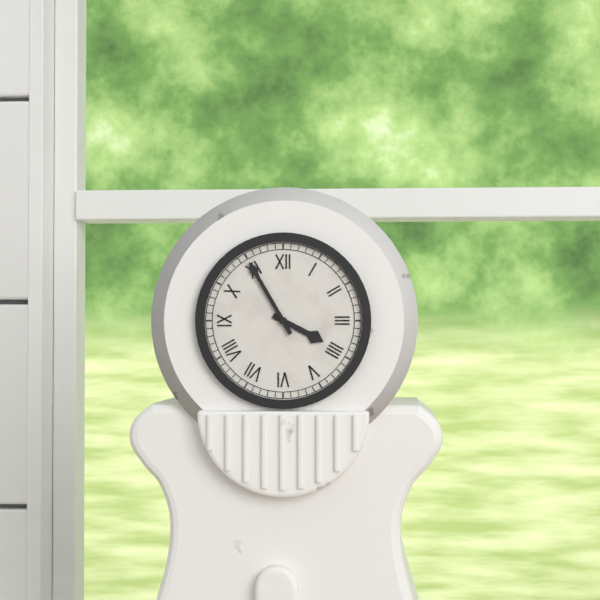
3:55
